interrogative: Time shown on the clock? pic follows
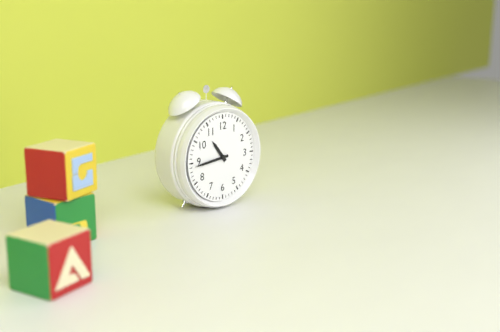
10:44
